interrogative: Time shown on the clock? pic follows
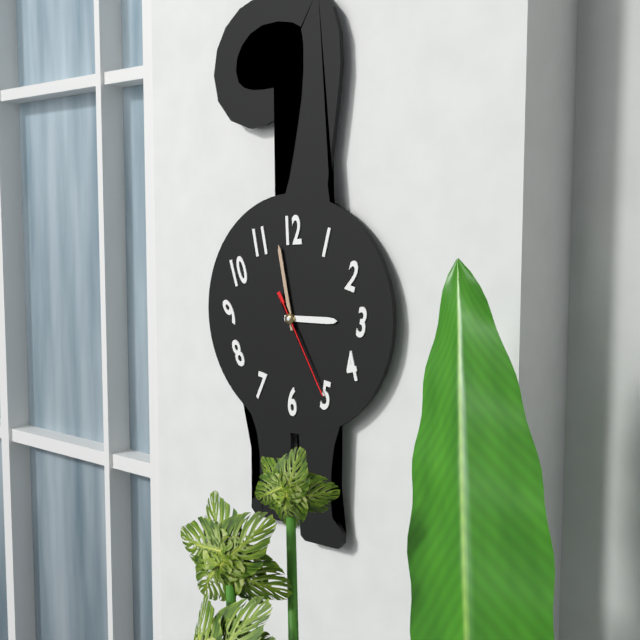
2:58:25
